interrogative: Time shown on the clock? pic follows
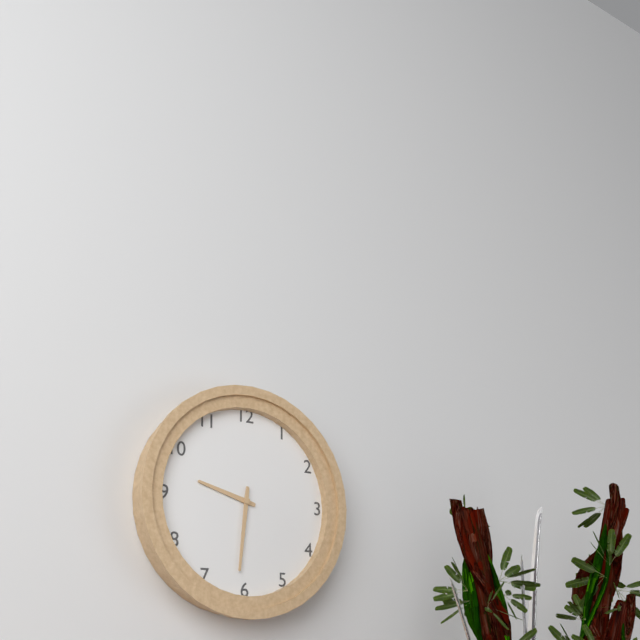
9:31
